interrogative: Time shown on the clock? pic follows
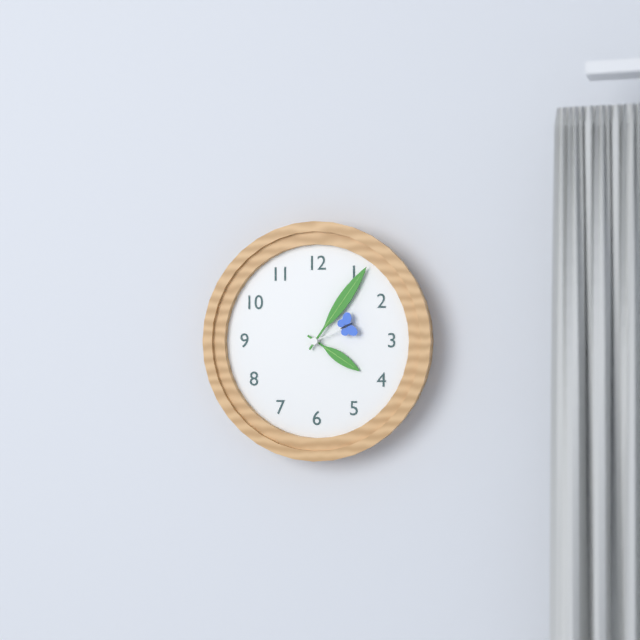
4:06:11
